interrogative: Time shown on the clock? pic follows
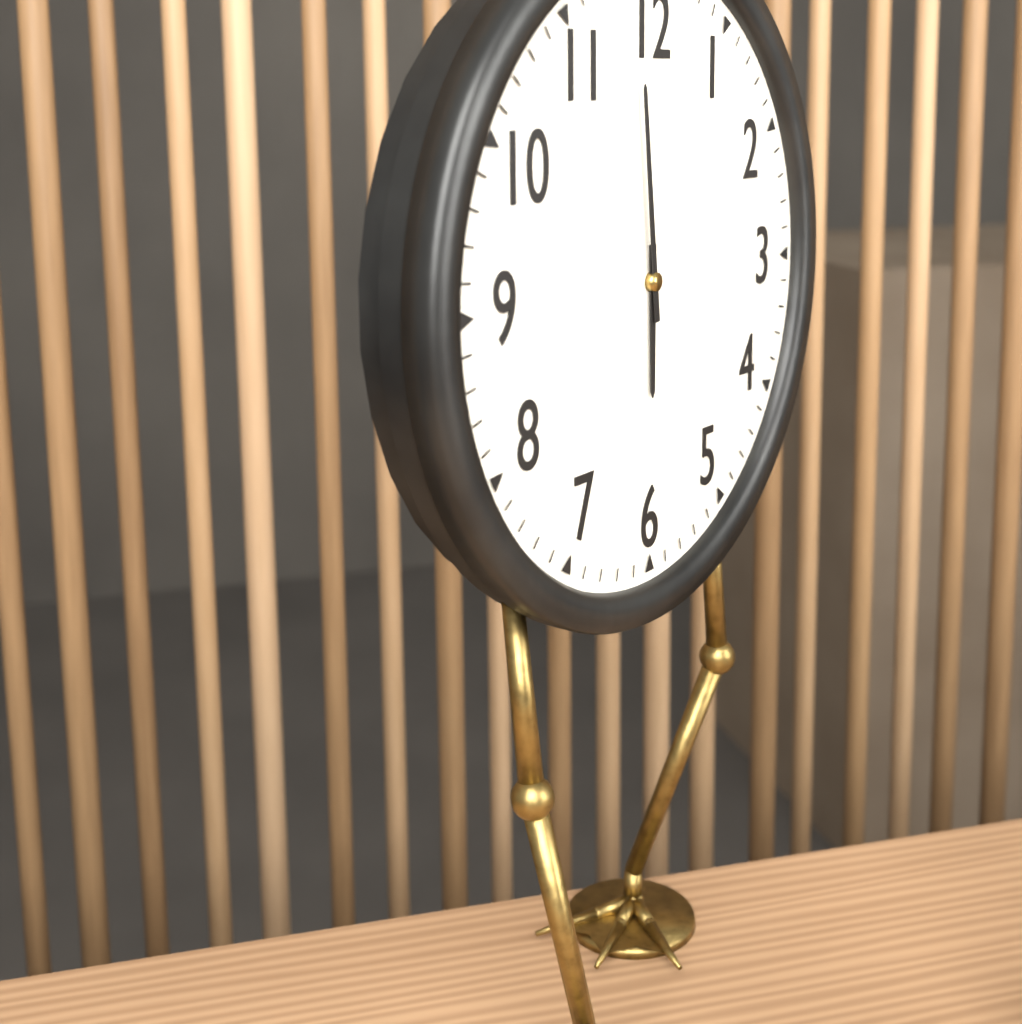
5:59
